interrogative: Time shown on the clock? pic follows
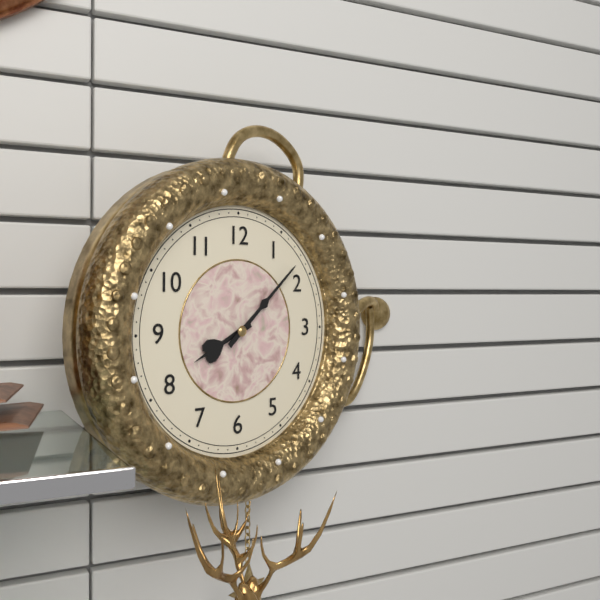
8:08
